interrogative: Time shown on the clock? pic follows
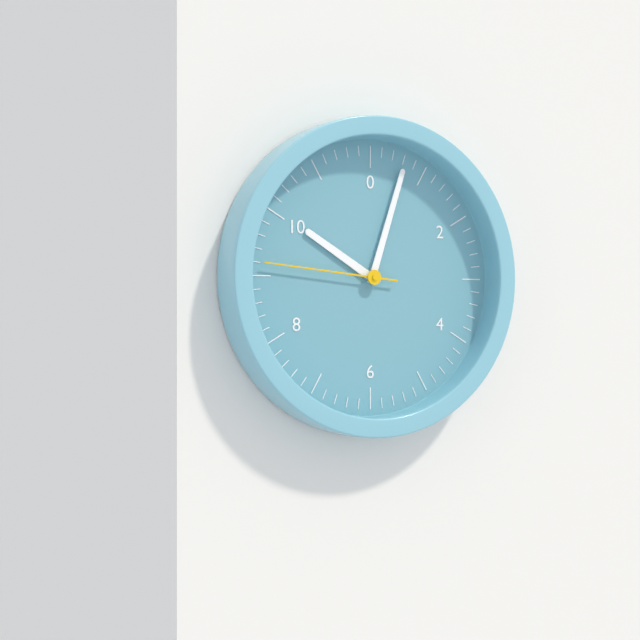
10:03:46
